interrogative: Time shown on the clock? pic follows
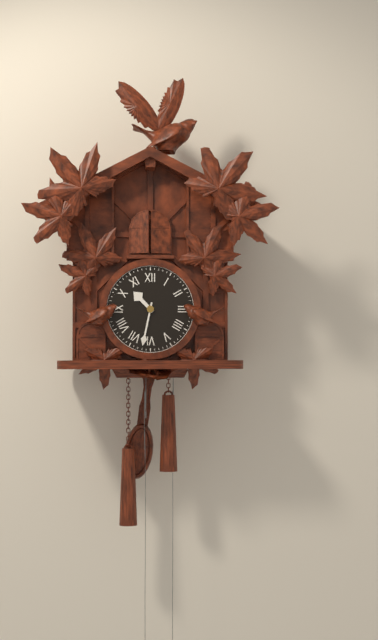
10:32
